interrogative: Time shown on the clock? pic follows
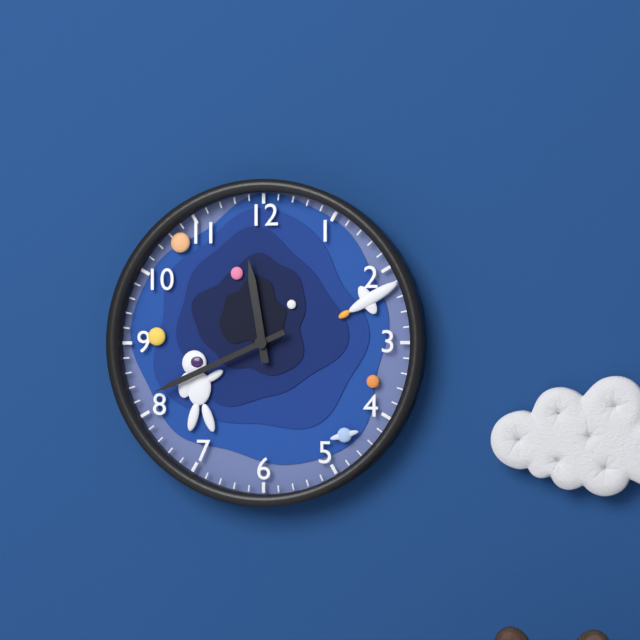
11:41
